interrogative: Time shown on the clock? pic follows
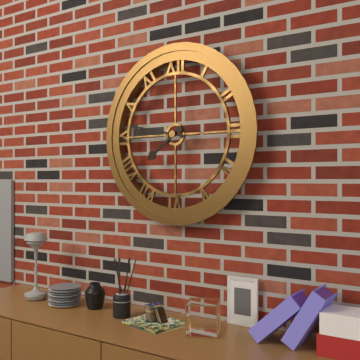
7:47
